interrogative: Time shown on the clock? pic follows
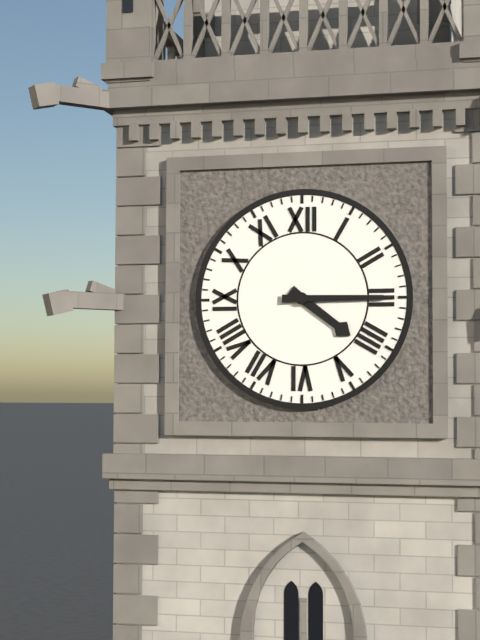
4:15
